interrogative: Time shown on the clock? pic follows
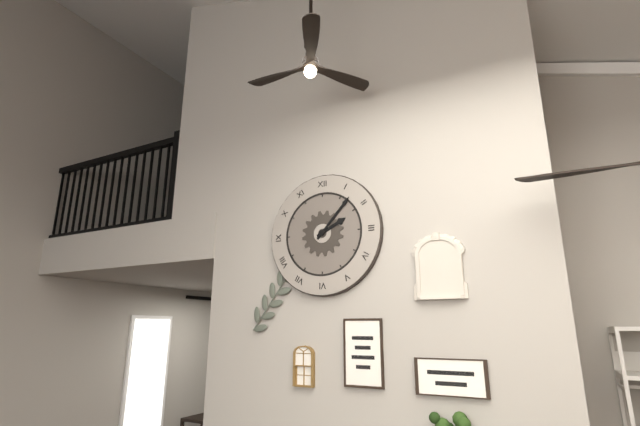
2:07
